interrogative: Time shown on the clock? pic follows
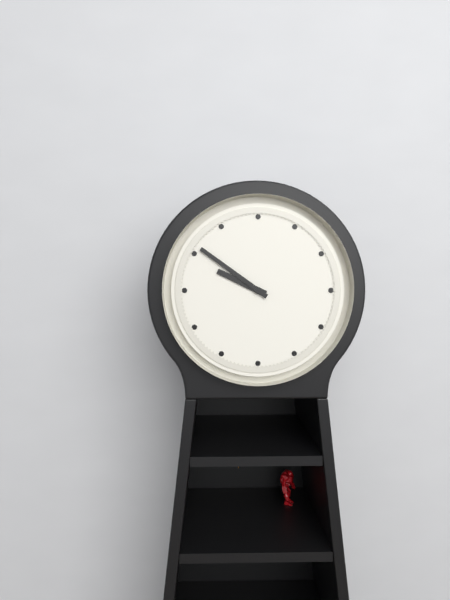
9:51
